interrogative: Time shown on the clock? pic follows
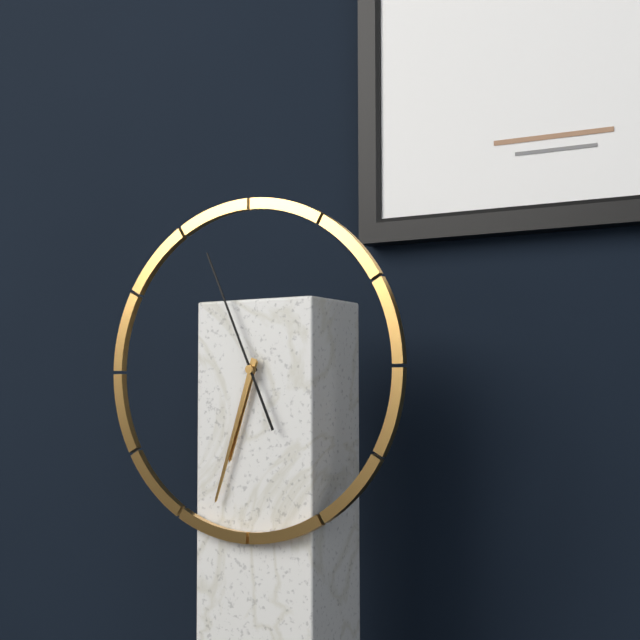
6:33:56
